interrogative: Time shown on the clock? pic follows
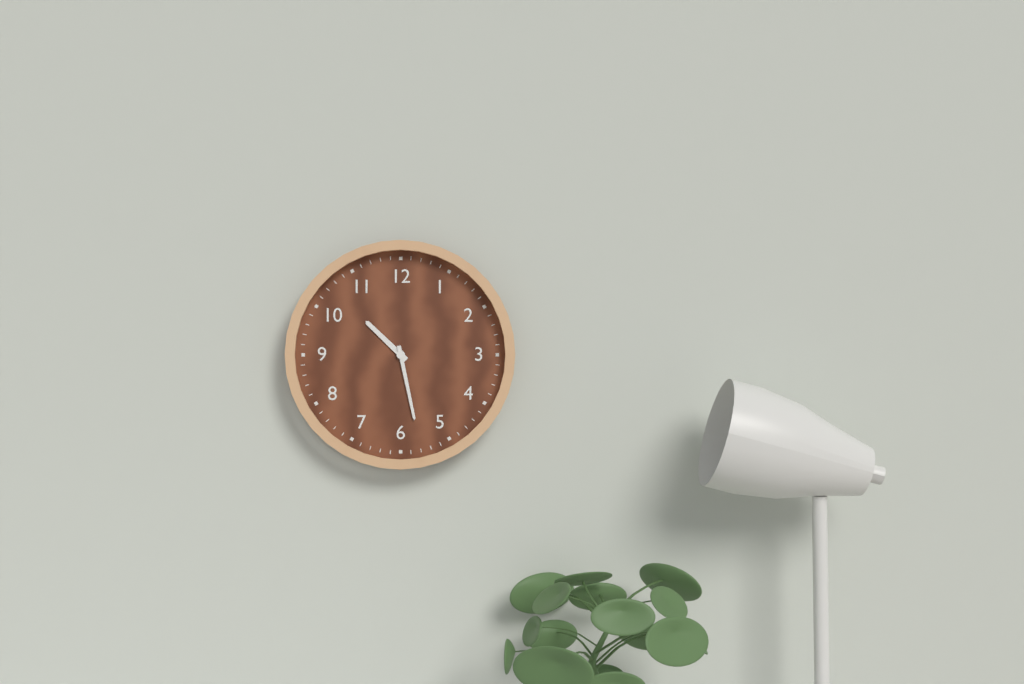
10:28
